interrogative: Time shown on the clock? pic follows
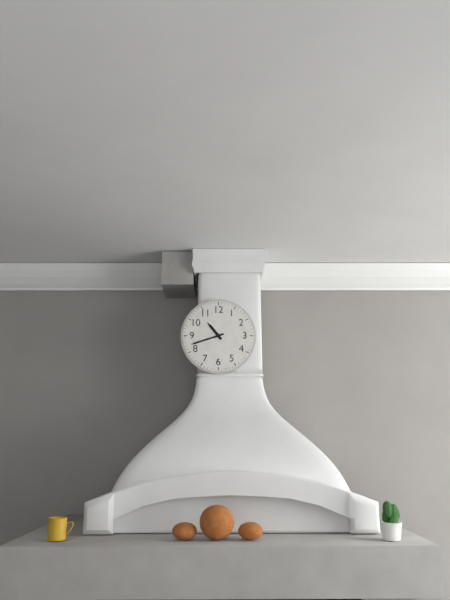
10:42
